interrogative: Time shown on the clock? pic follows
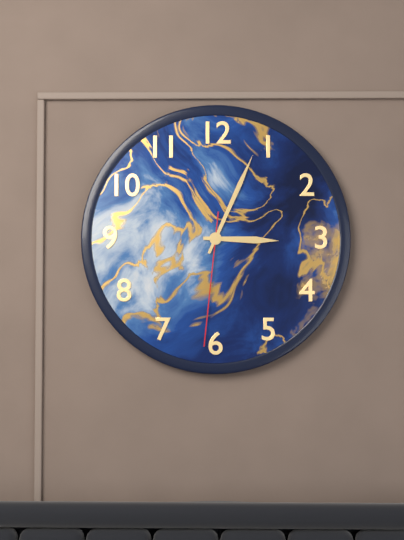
3:04:31
